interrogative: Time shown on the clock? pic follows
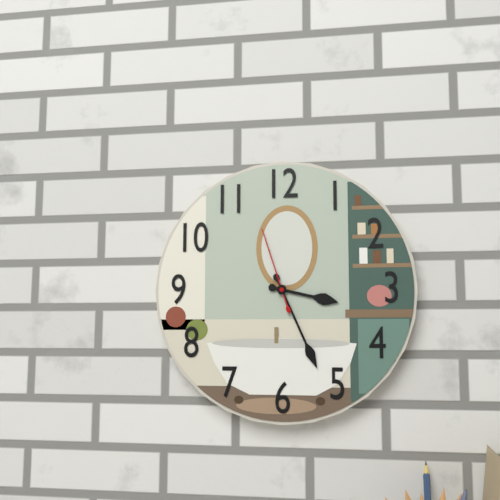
3:26:57
